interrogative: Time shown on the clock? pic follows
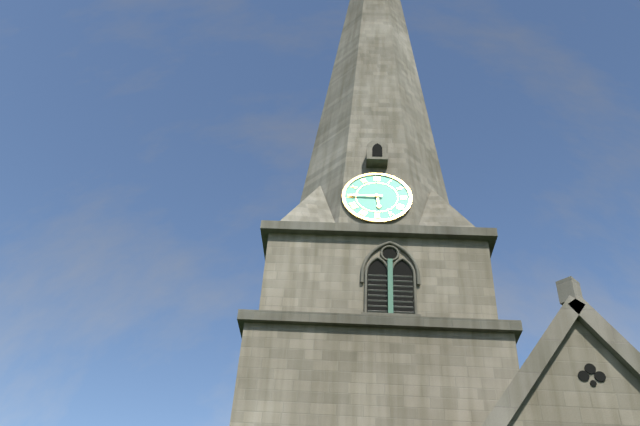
5:45
